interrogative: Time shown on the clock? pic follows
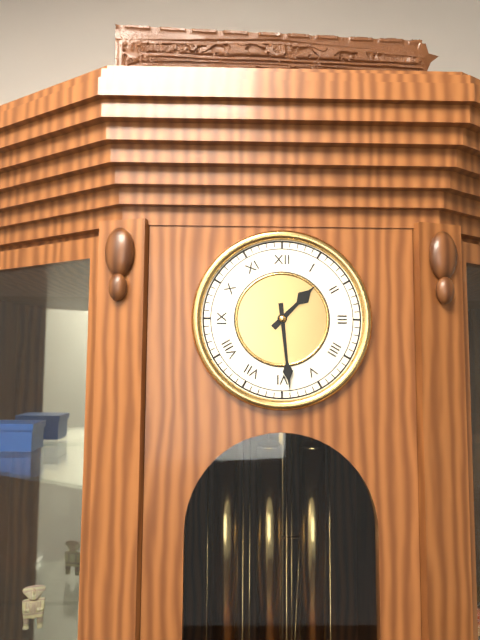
1:29
